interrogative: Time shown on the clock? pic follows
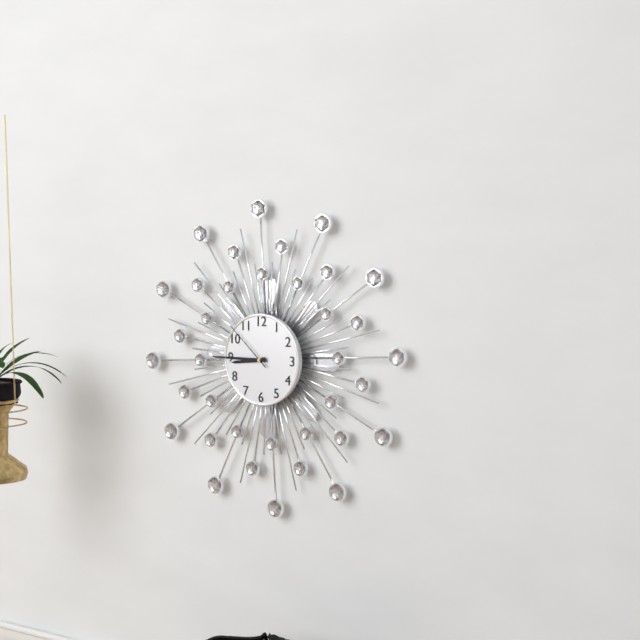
8:45:52
